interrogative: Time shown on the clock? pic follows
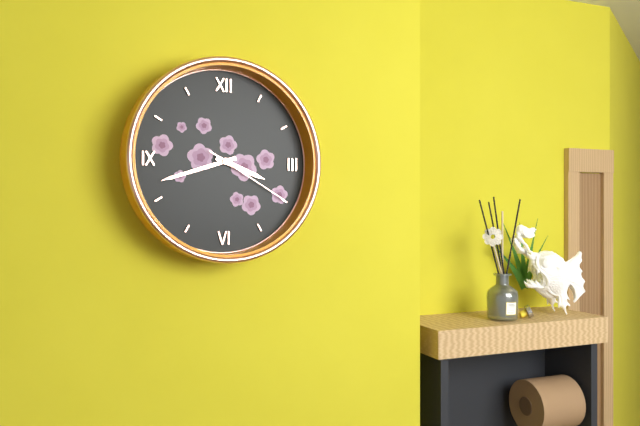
3:42:20
